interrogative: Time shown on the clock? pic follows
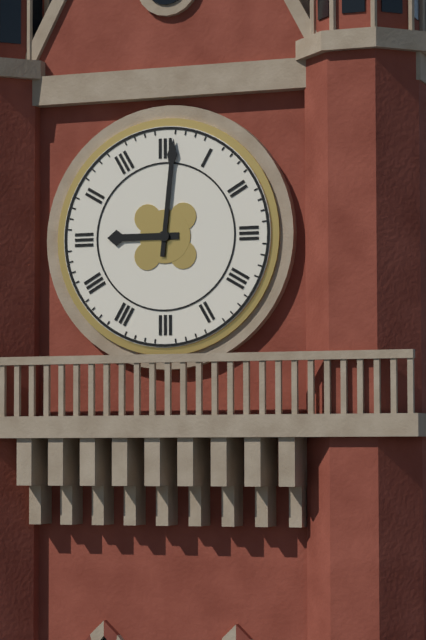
9:01
